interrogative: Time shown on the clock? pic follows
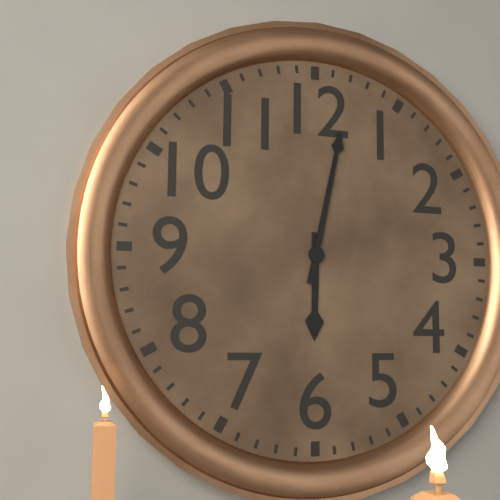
6:02
